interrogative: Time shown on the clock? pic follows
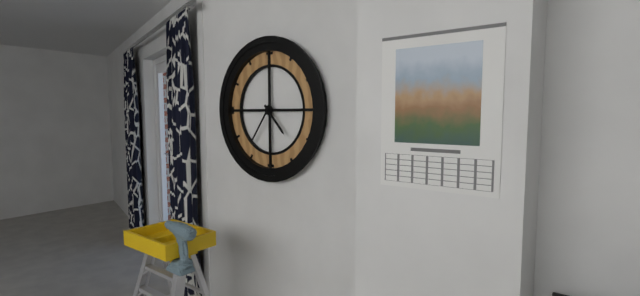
4:36
